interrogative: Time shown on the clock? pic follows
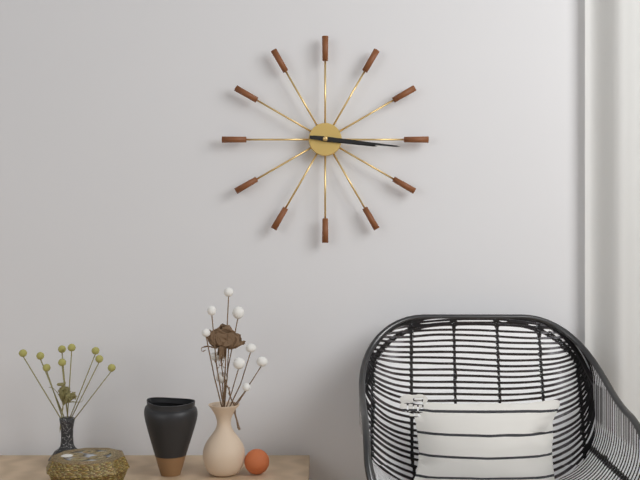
3:16
